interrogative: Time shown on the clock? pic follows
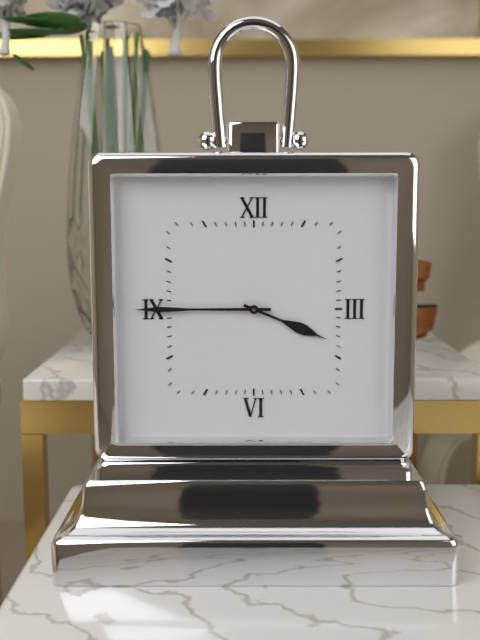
3:45
